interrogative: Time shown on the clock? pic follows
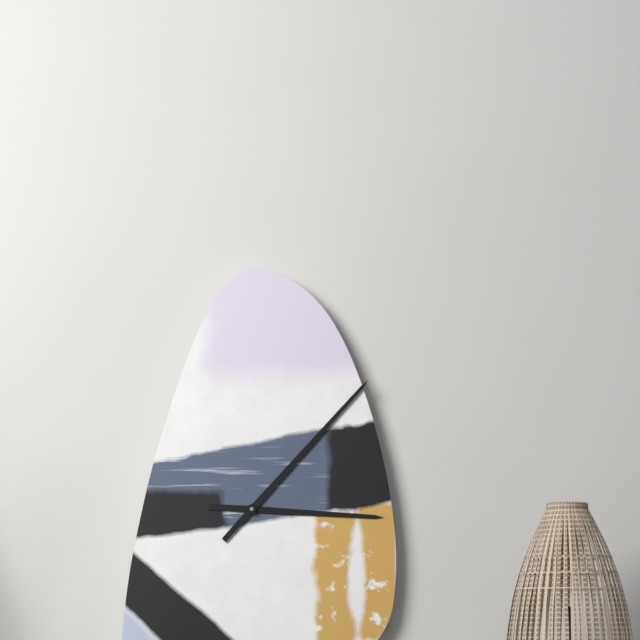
3:07
